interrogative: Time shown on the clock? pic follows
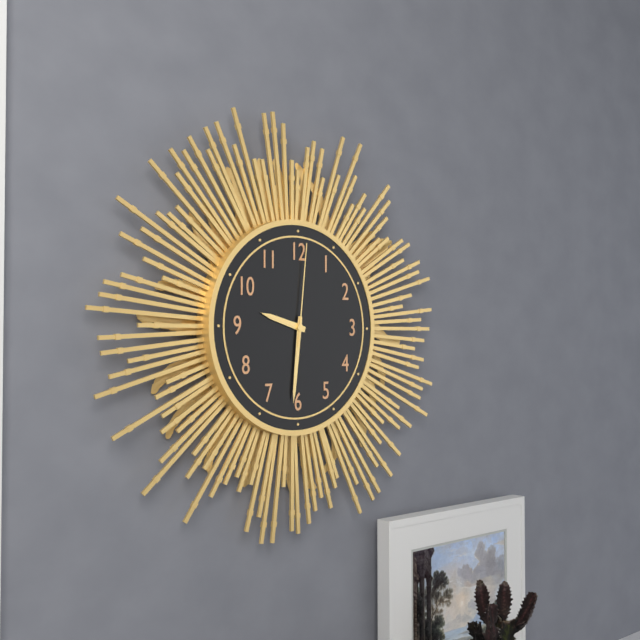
9:31:01
